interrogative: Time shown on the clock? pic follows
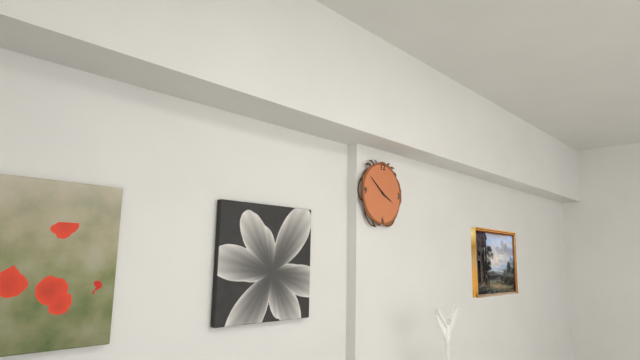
3:51
